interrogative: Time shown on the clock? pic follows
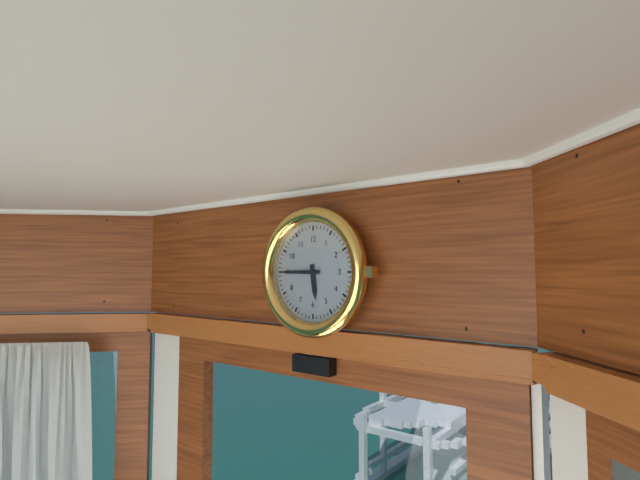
5:45
